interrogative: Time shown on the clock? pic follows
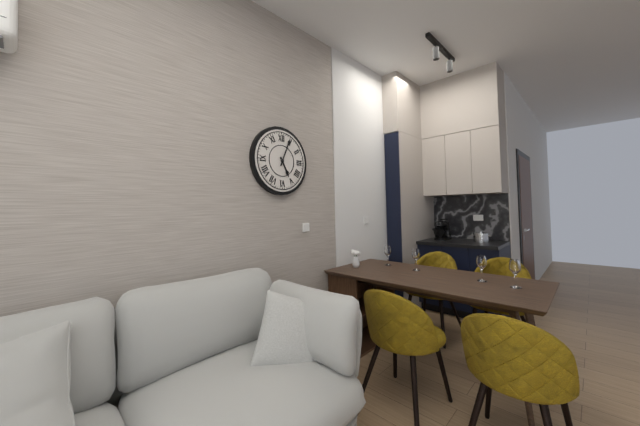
5:04
